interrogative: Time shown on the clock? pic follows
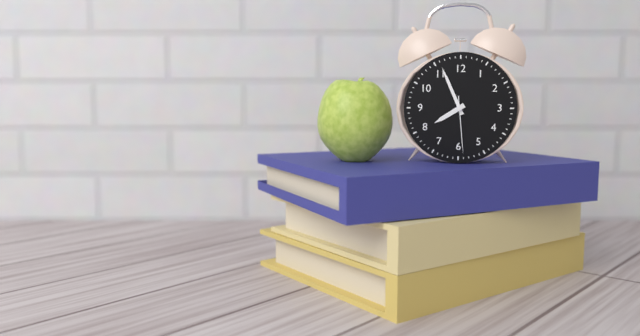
7:56:29
